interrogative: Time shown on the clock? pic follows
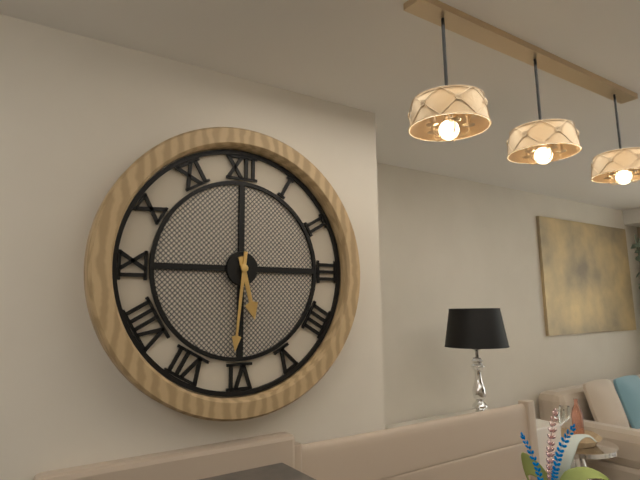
5:31
